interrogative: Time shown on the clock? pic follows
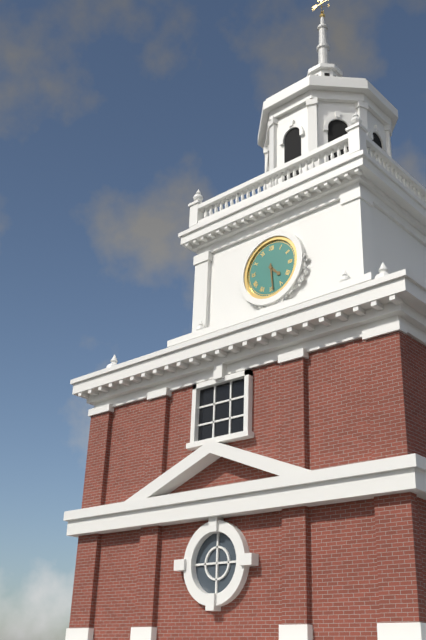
4:29
